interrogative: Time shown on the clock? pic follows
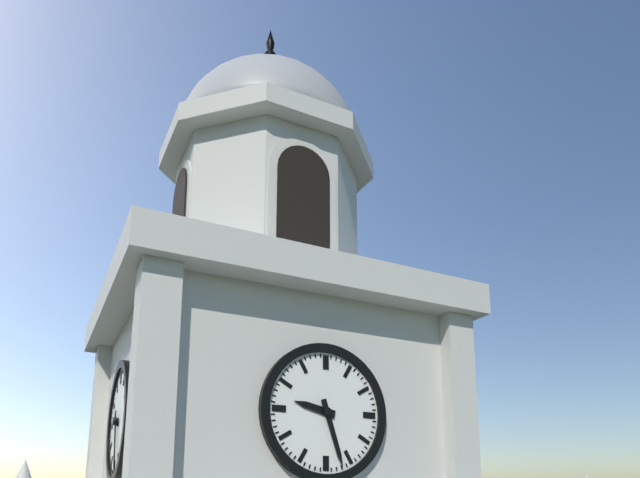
9:27
